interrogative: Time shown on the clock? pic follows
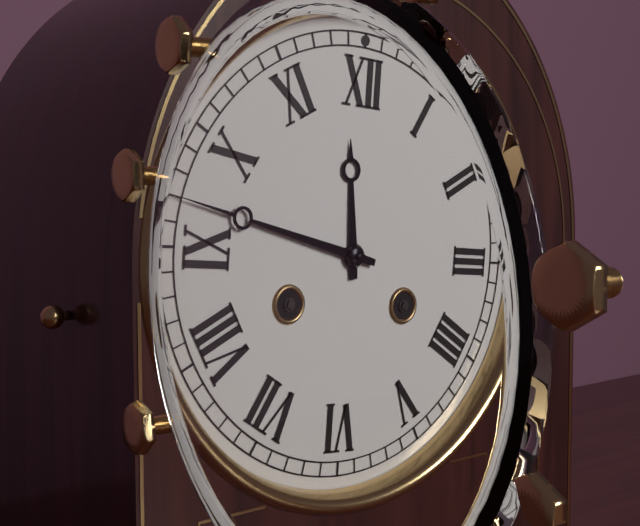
11:47
